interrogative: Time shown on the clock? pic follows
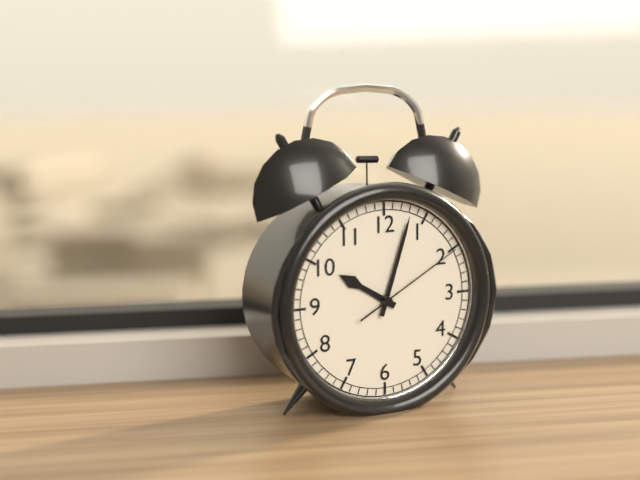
10:03:10
